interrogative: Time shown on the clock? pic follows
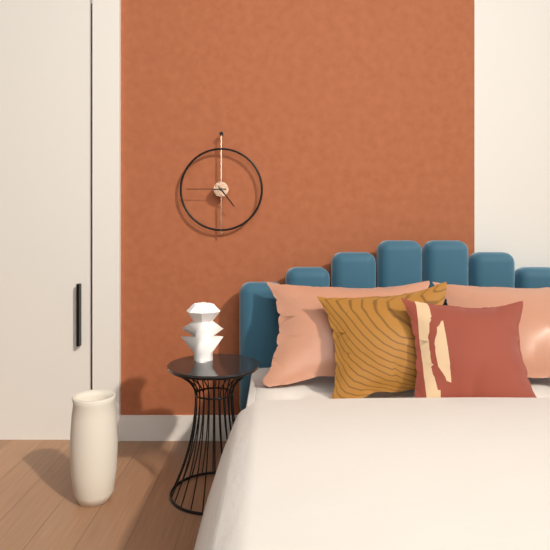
4:45
